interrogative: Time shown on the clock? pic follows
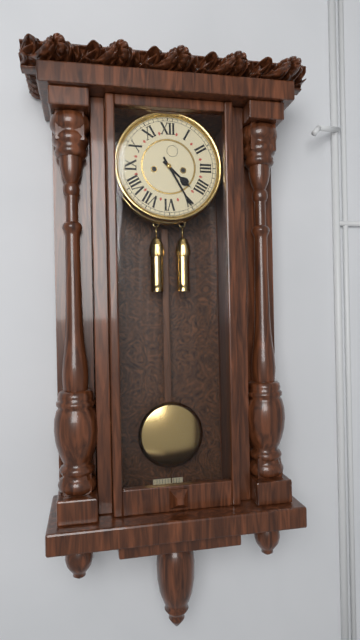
4:25
